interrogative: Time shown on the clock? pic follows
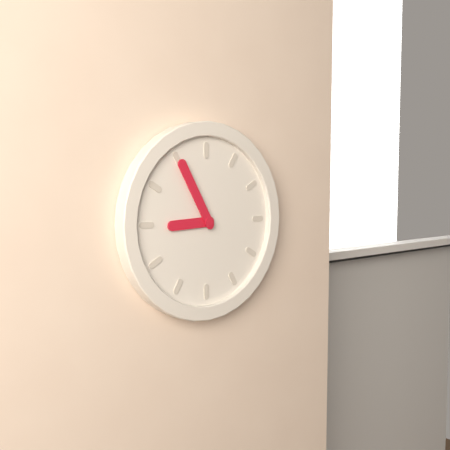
8:55
